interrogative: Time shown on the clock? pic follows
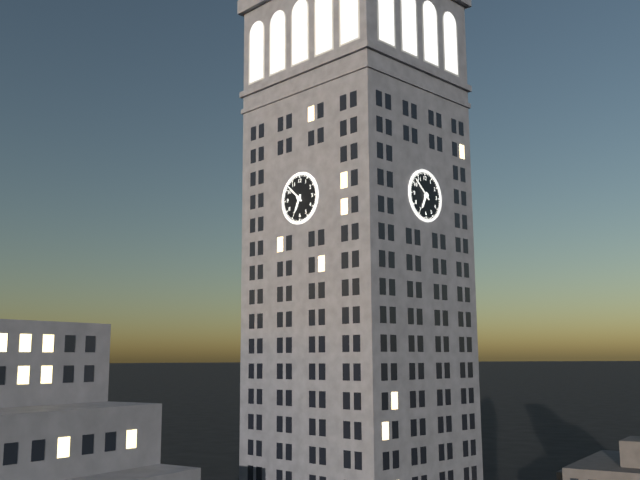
6:52
